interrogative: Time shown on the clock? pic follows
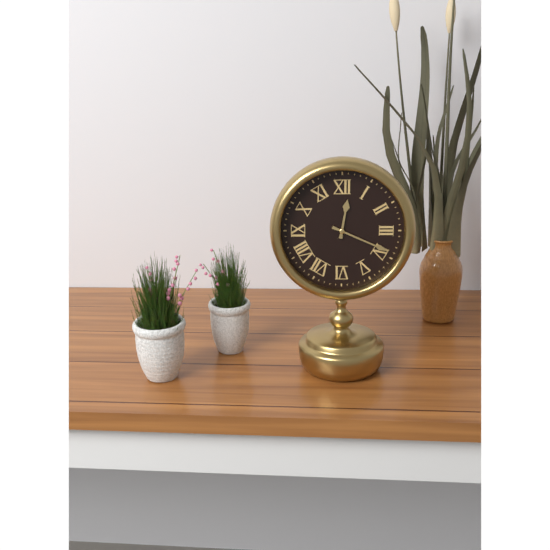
12:19
